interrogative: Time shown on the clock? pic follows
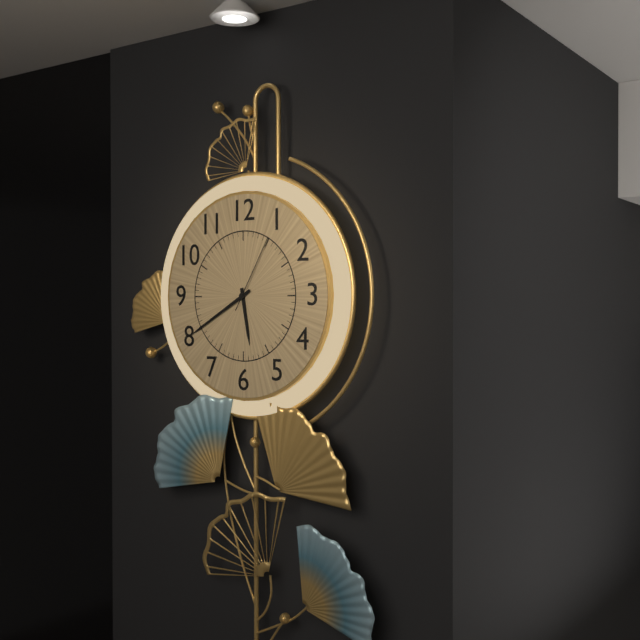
5:40:05
